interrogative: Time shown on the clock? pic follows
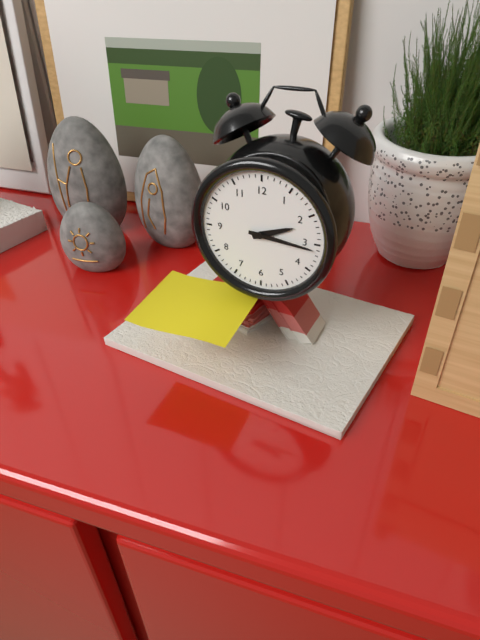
2:16
